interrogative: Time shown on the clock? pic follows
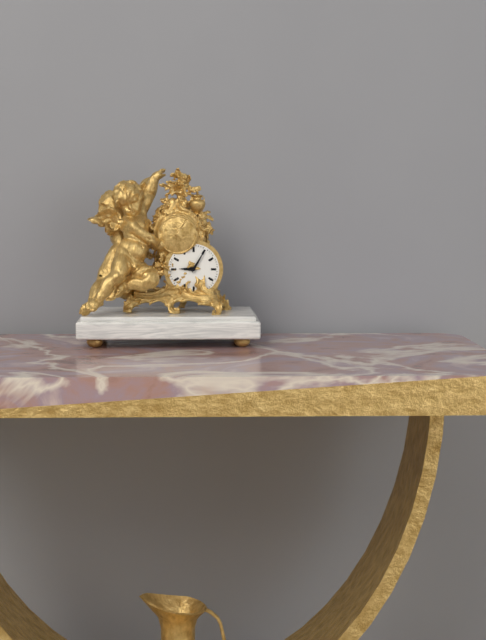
9:05
